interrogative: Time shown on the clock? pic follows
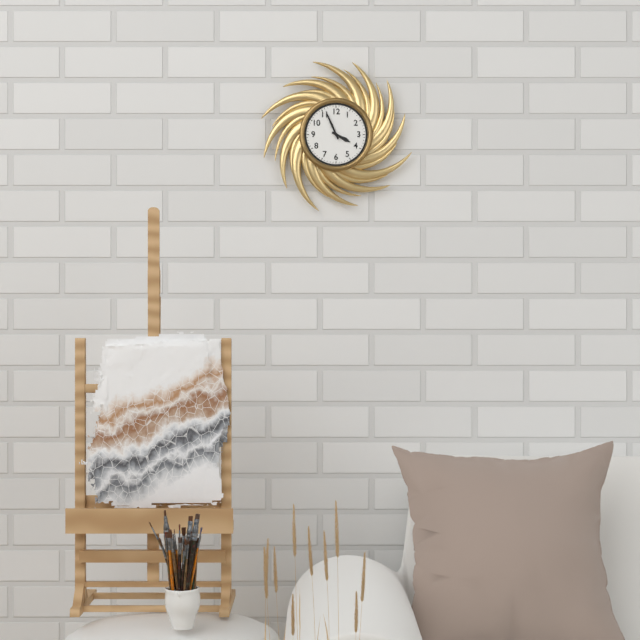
3:56
